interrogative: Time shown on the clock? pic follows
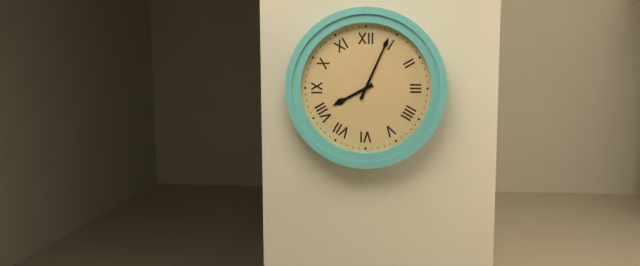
8:04
